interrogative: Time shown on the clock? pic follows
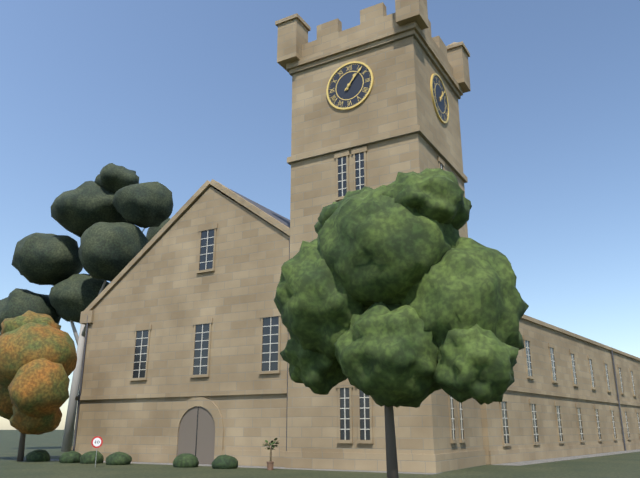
1:07
